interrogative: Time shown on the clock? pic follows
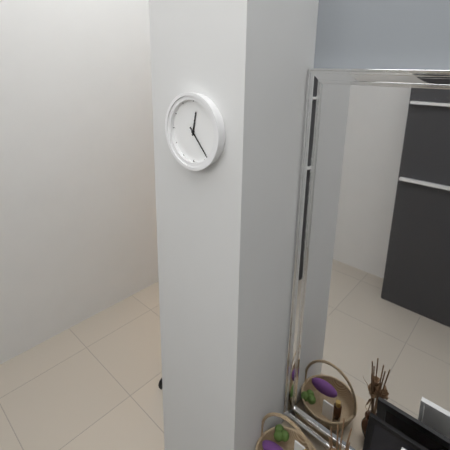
12:23
